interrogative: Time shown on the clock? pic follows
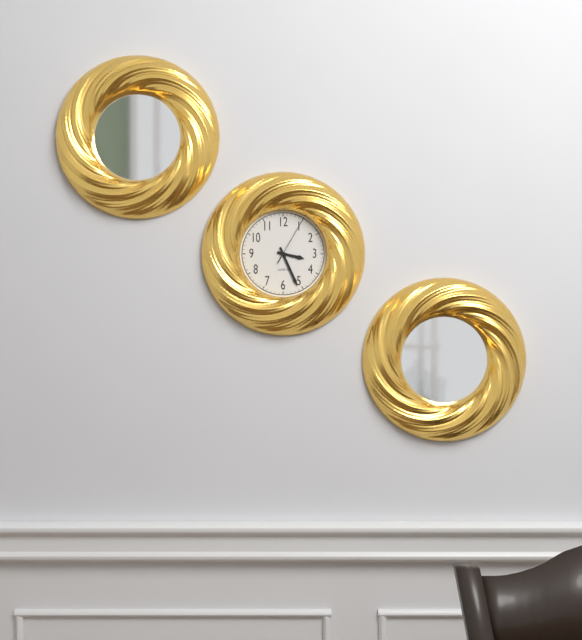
3:26
